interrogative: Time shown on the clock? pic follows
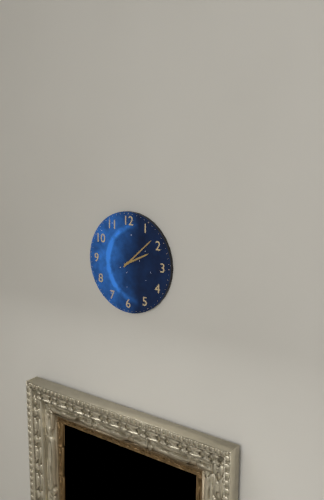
2:08
